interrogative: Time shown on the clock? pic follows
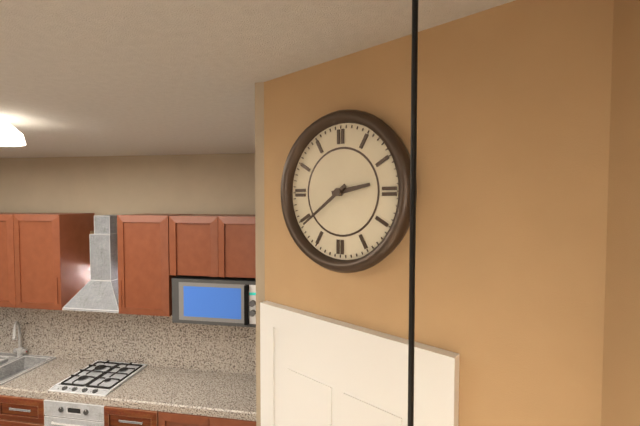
2:39
